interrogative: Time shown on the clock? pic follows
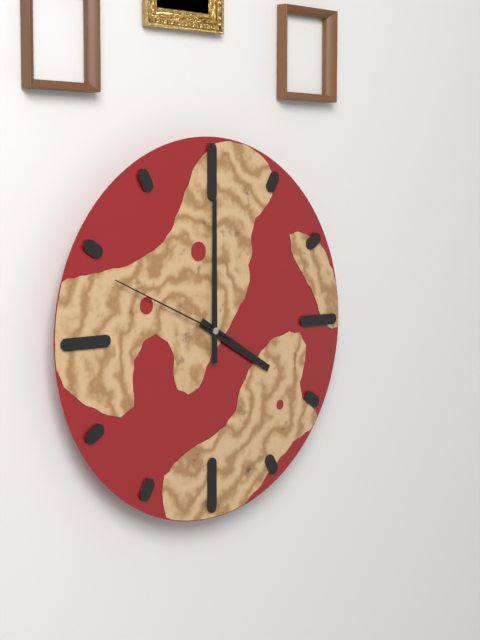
4:00:49
